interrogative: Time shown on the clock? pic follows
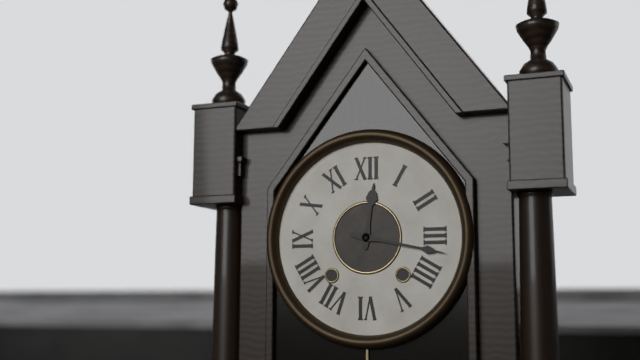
12:17
